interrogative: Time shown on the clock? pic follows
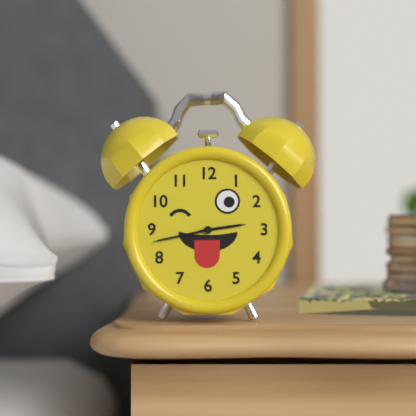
2:43
